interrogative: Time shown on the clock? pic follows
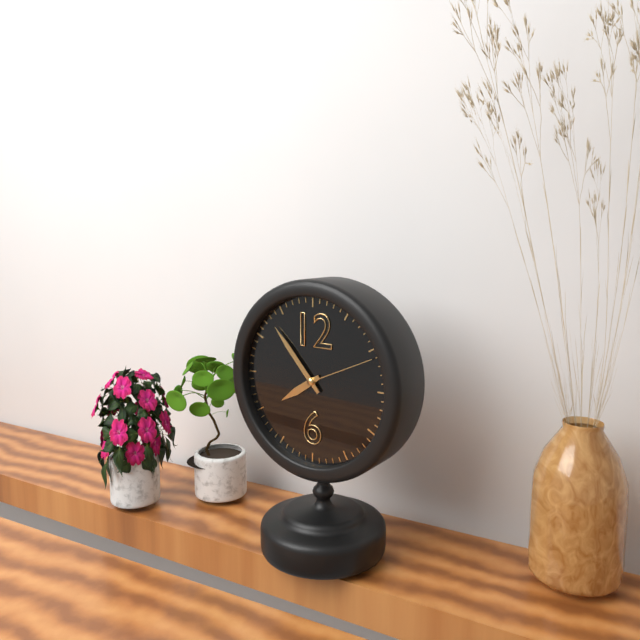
7:53:11
